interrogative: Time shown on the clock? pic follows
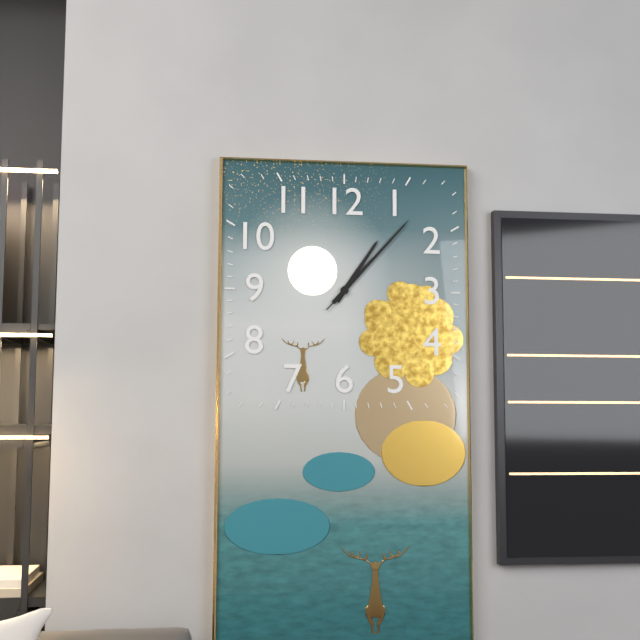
1:07:07
